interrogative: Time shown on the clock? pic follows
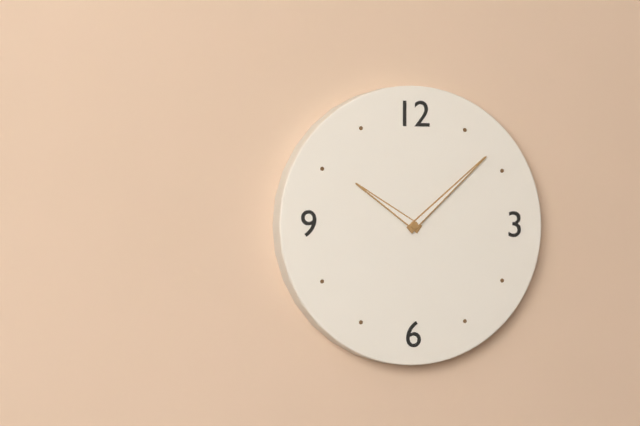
10:08
